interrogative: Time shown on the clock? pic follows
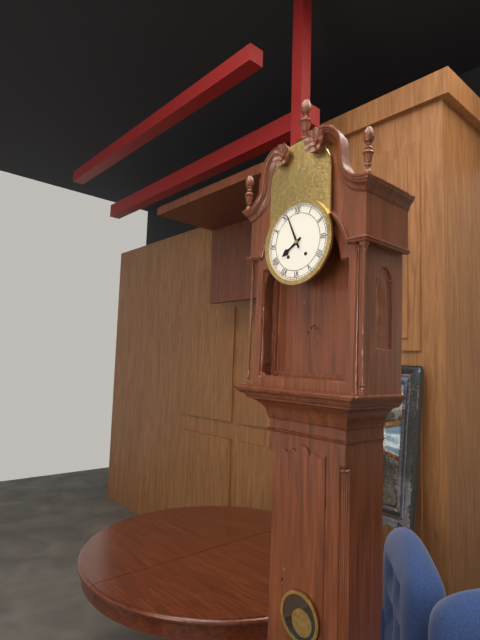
7:56
